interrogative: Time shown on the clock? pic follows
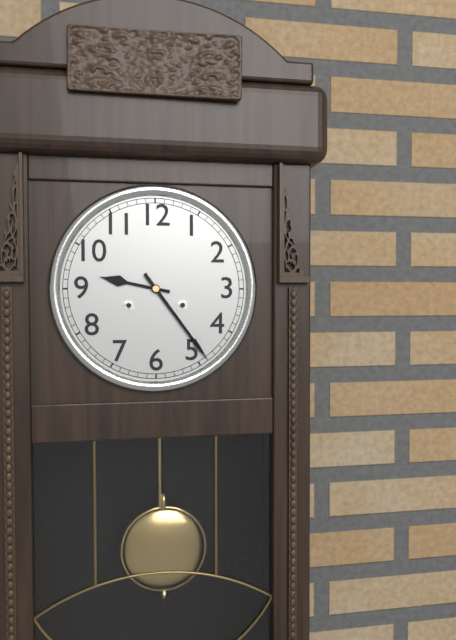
9:24
